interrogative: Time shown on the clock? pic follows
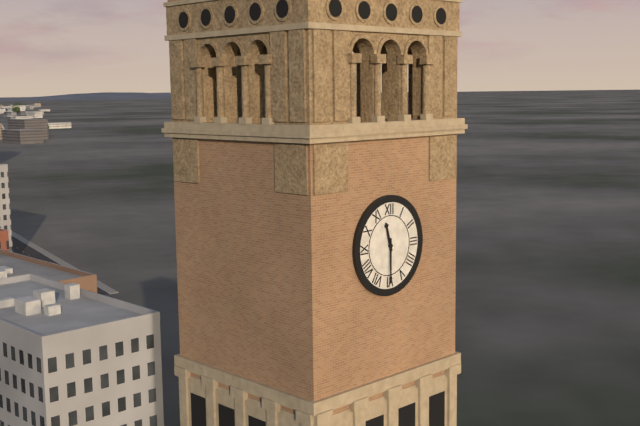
11:30
